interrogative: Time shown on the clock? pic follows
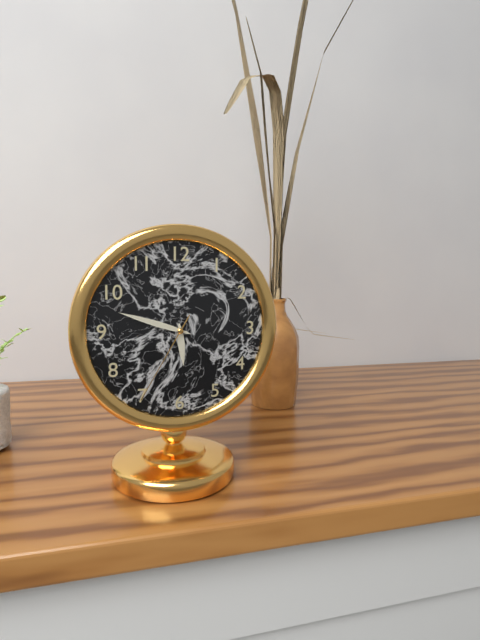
5:48:35
